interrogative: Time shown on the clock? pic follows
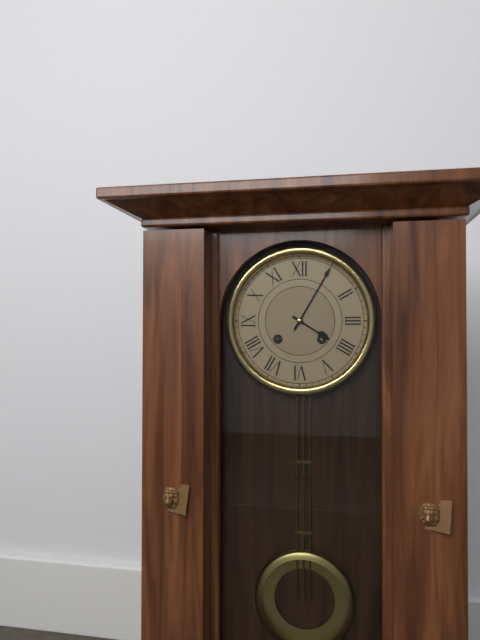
4:05
